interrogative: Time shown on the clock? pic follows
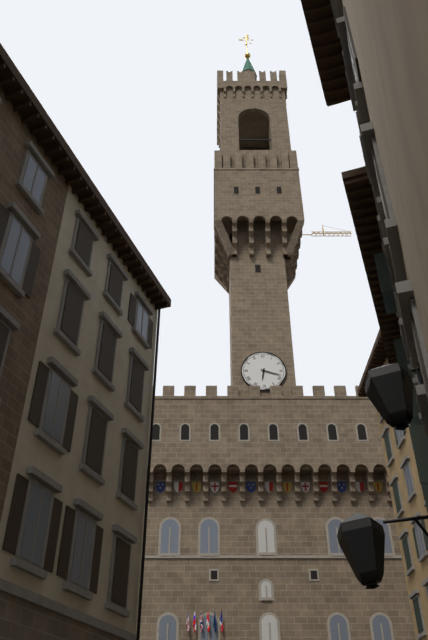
6:18
